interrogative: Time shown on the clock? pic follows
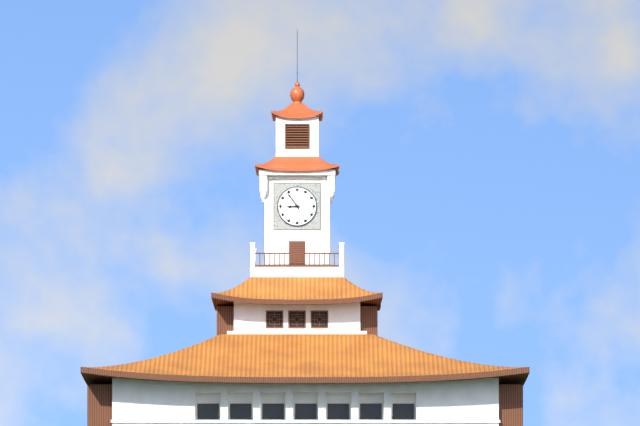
8:54
